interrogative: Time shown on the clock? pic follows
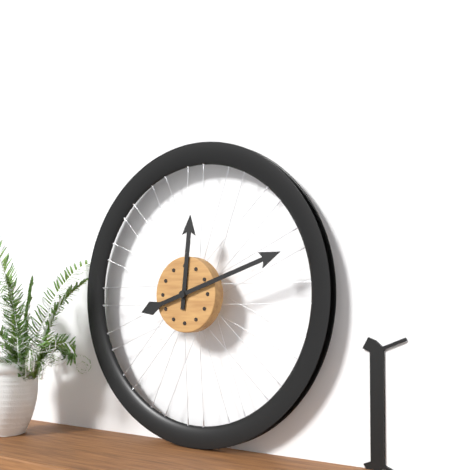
12:12
